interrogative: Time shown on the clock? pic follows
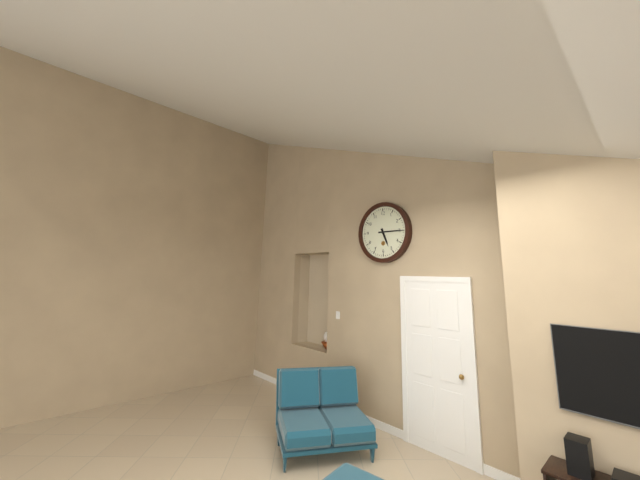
5:15
